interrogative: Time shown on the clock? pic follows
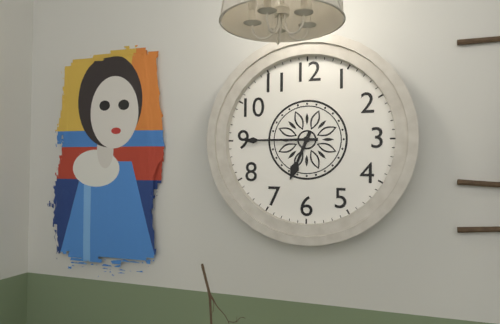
6:45
